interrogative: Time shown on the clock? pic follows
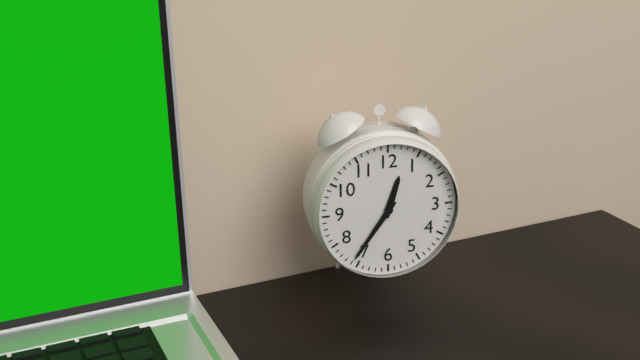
12:36
